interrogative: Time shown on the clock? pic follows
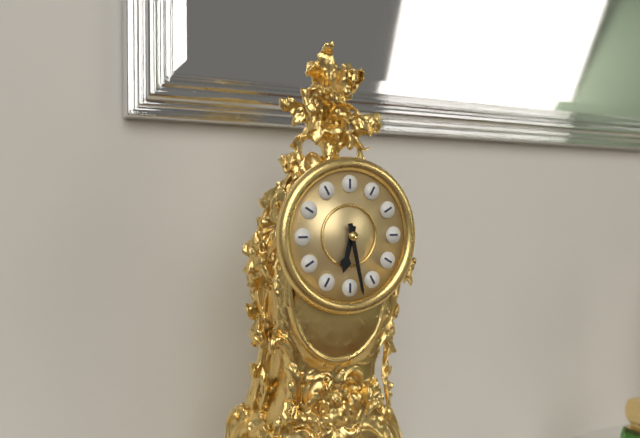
6:28
